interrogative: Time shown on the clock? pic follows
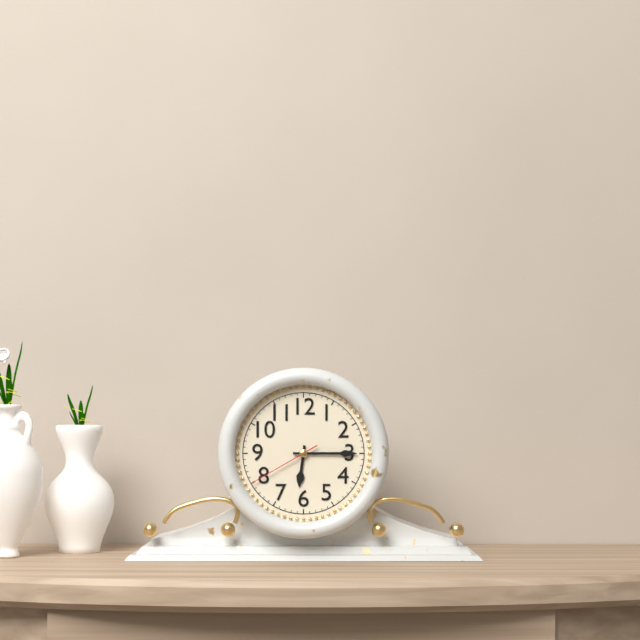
6:15:40
